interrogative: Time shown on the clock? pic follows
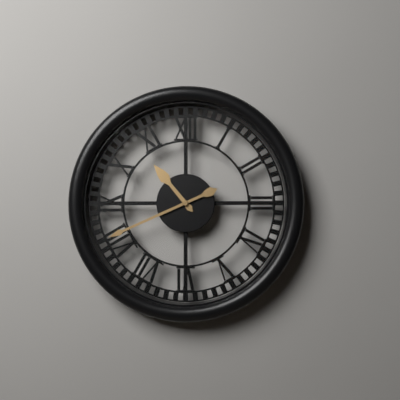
10:41
